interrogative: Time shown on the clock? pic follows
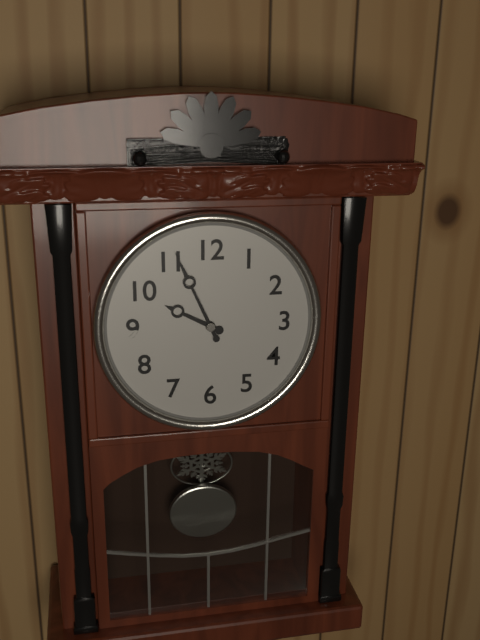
9:56
